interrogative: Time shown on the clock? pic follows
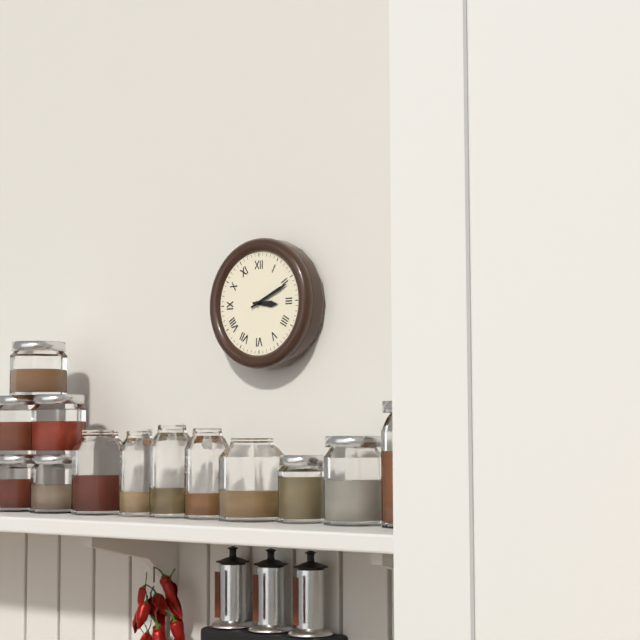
3:11
